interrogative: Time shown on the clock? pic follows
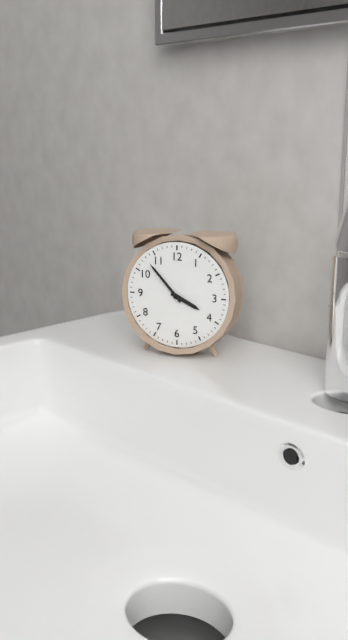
3:53
